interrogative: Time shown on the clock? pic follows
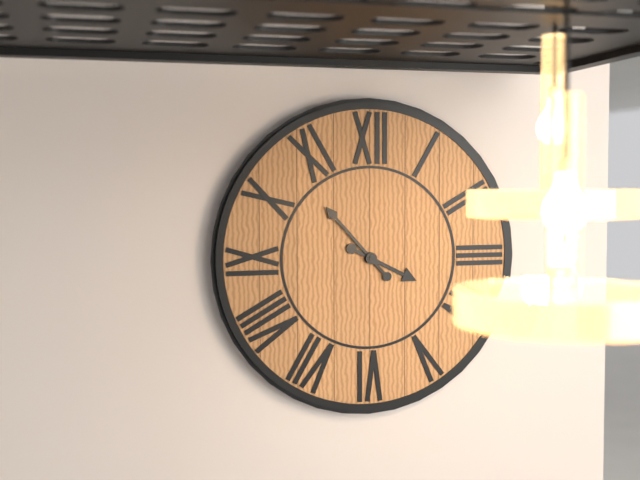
3:53
